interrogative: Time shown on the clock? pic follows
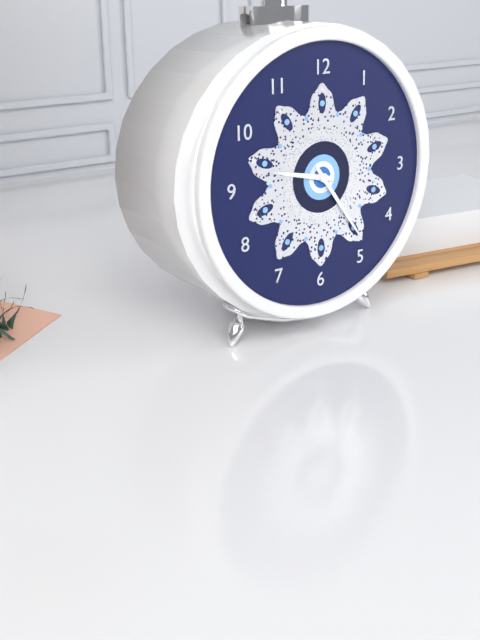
9:24
